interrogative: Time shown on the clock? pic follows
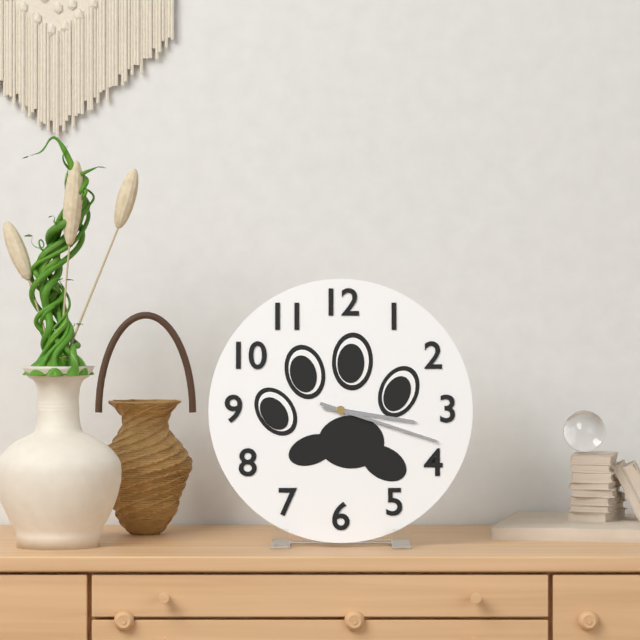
3:18
